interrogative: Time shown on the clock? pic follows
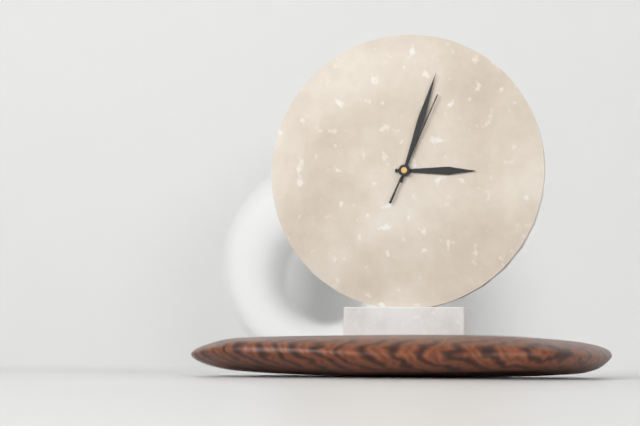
3:03:04
